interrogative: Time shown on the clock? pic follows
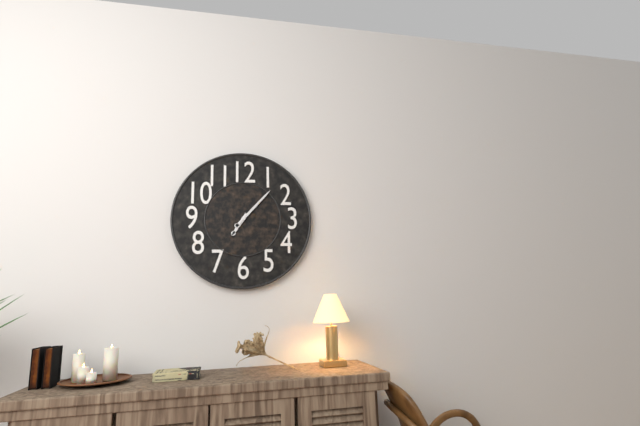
7:07
